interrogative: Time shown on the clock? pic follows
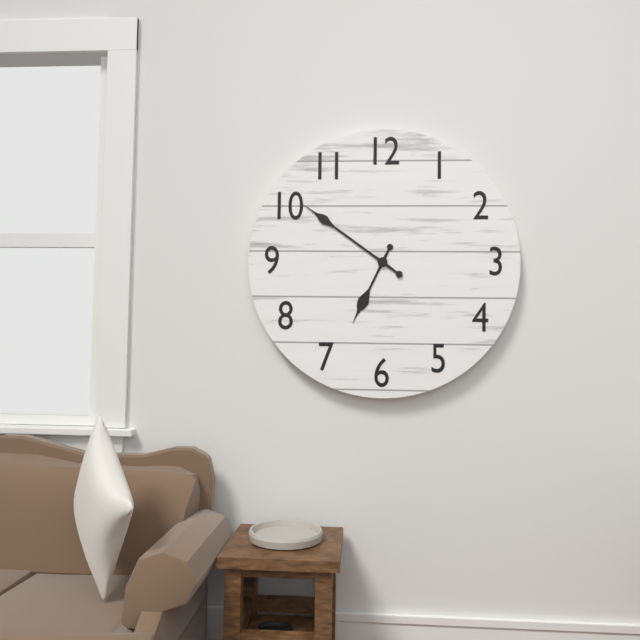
6:51
